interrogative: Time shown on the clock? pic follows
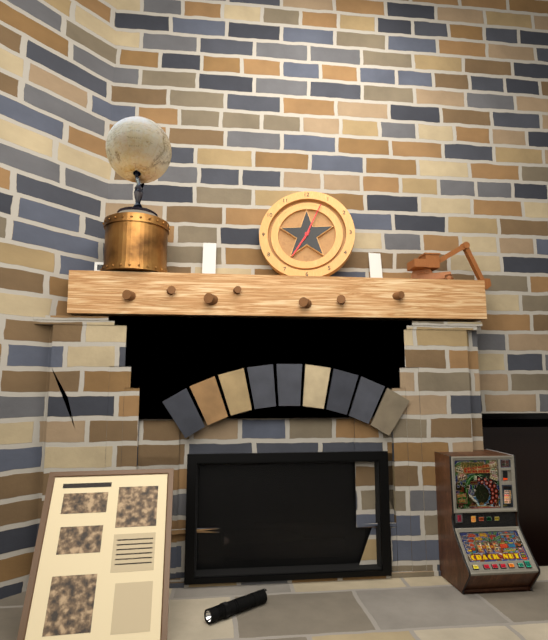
7:04
